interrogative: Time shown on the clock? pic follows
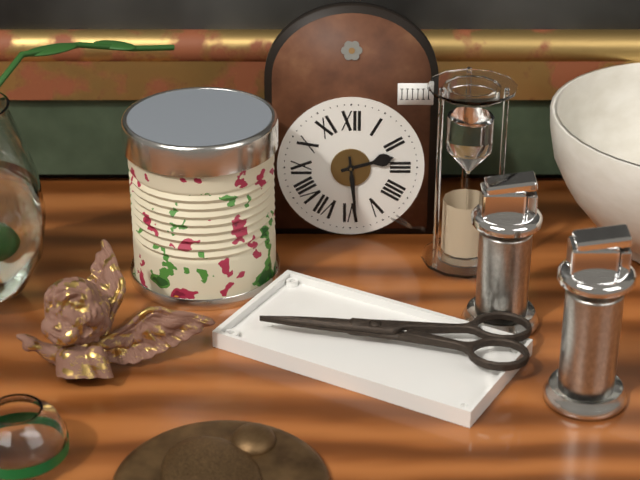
2:29
